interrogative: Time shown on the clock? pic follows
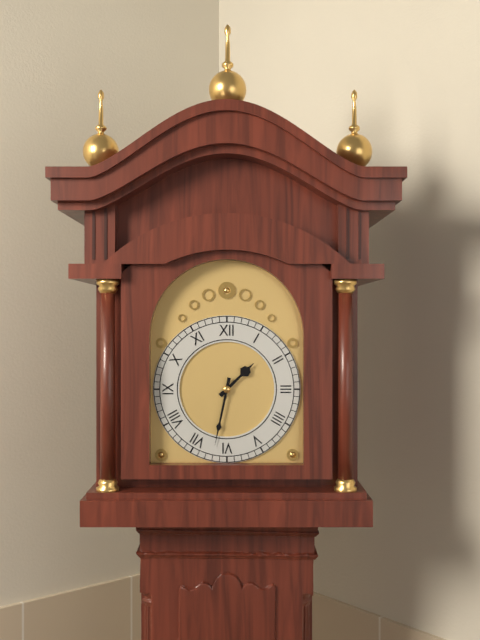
1:32
